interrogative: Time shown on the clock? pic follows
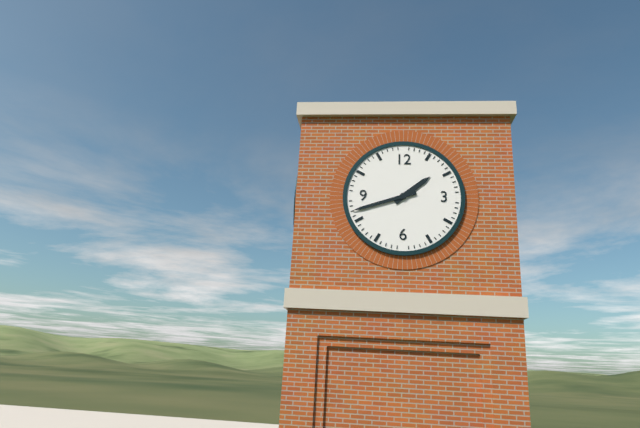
1:42
